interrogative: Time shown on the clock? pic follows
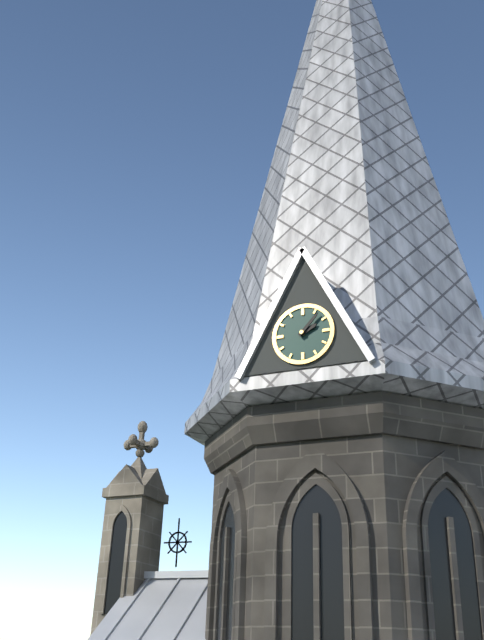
2:07
